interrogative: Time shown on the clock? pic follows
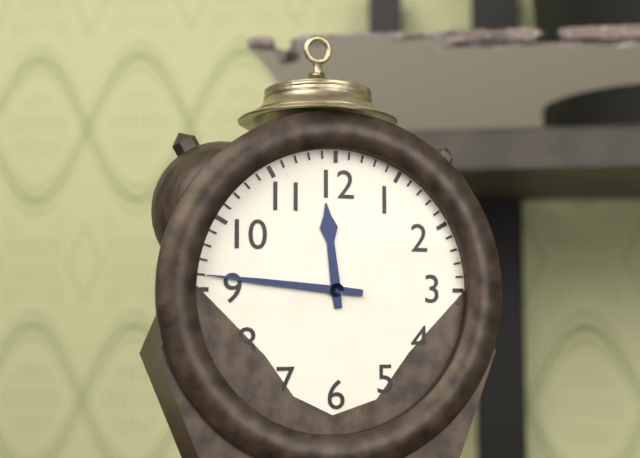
11:46
